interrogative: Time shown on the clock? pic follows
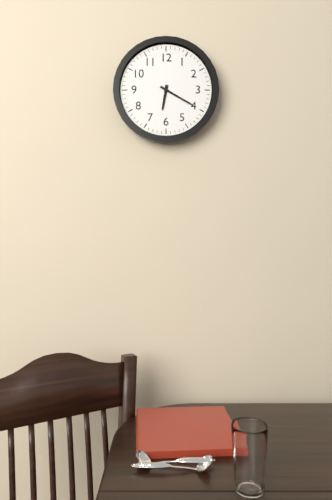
6:20
